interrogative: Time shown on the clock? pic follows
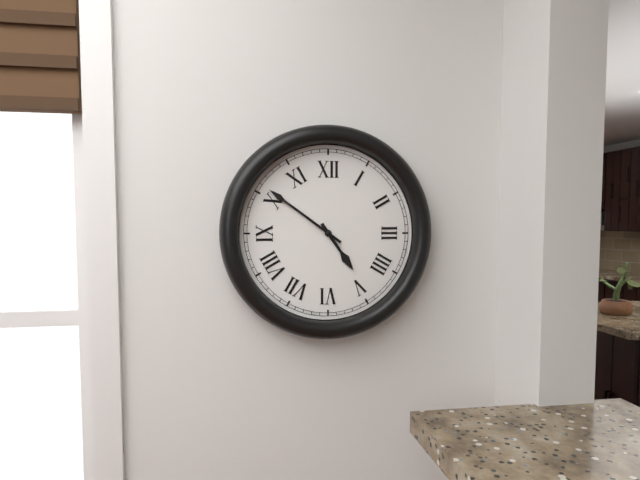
4:51
